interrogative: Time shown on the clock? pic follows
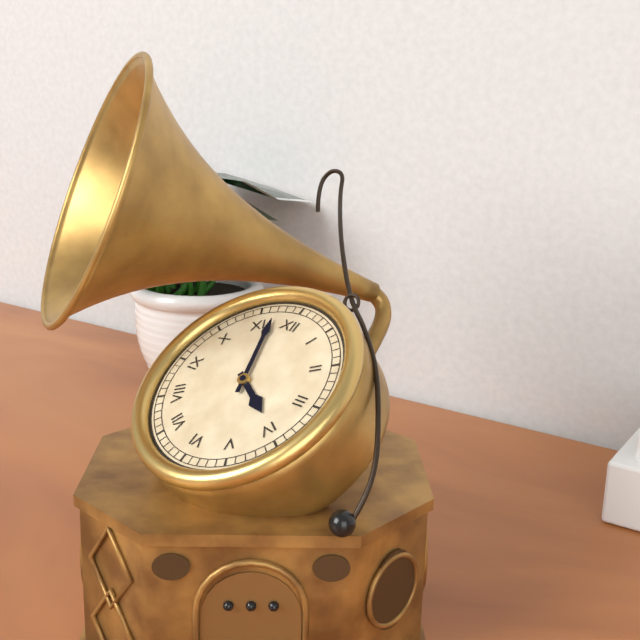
3:57
